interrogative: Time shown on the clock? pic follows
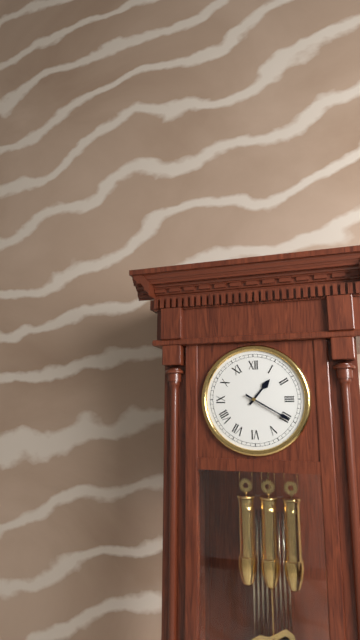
1:20
